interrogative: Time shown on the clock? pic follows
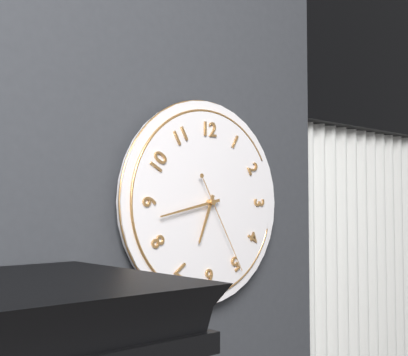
6:43:25
